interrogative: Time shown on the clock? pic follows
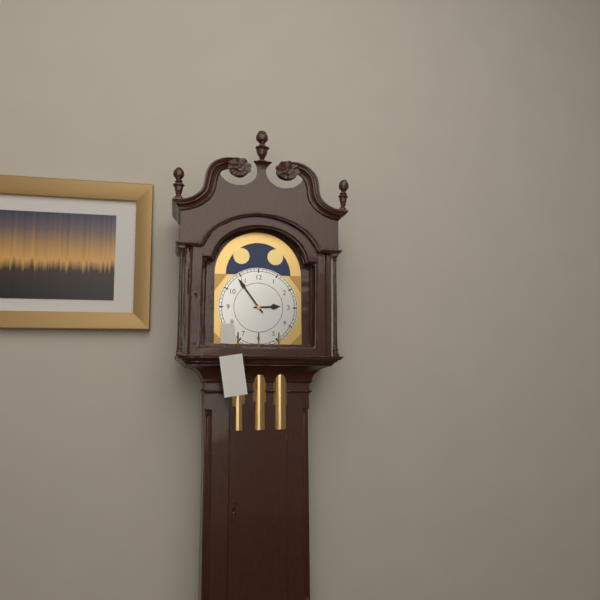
2:54
